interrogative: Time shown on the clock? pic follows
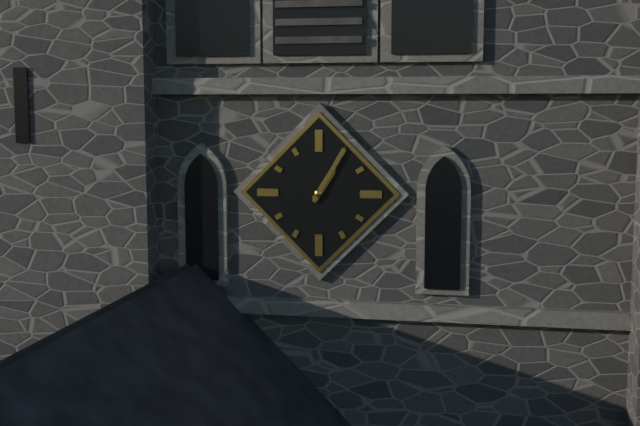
1:05
